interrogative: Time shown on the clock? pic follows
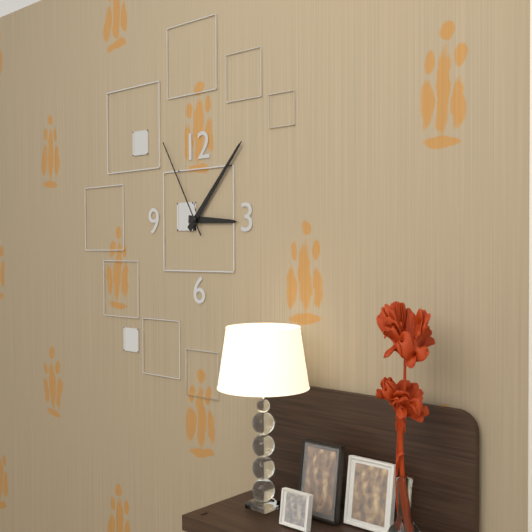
3:07:55
